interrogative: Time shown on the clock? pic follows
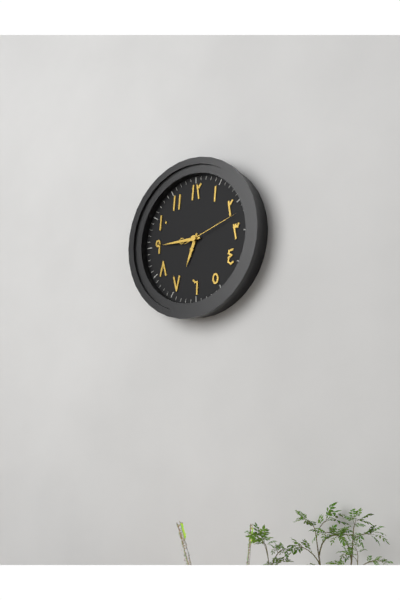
6:45:12
